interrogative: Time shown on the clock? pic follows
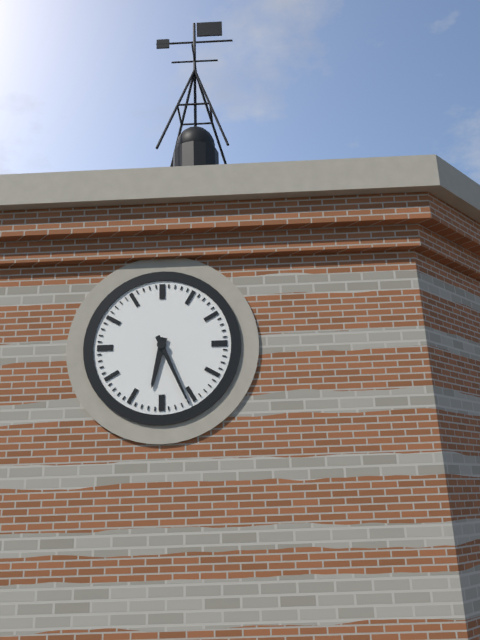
6:26
